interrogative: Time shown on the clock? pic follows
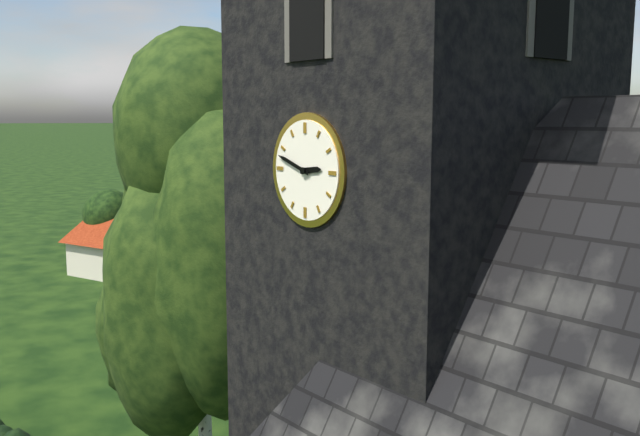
2:48
